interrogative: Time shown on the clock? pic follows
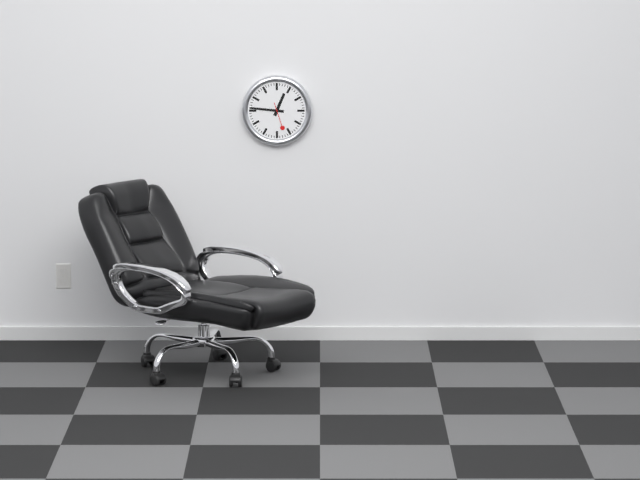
12:46
